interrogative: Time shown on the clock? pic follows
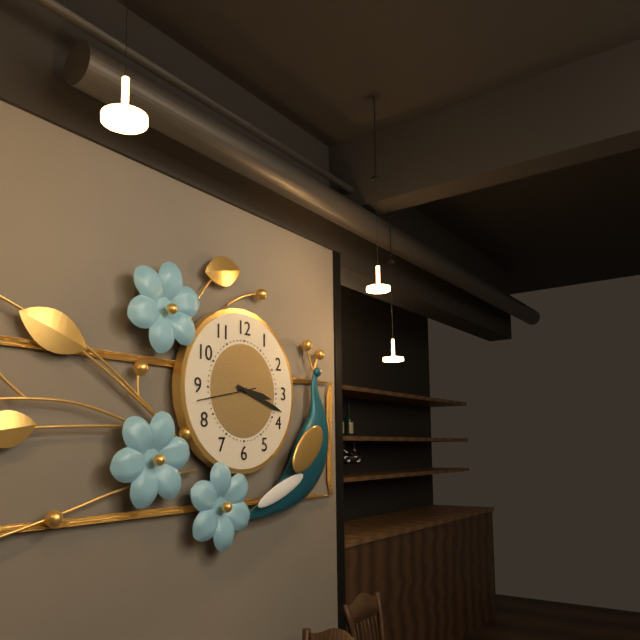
3:18:43
